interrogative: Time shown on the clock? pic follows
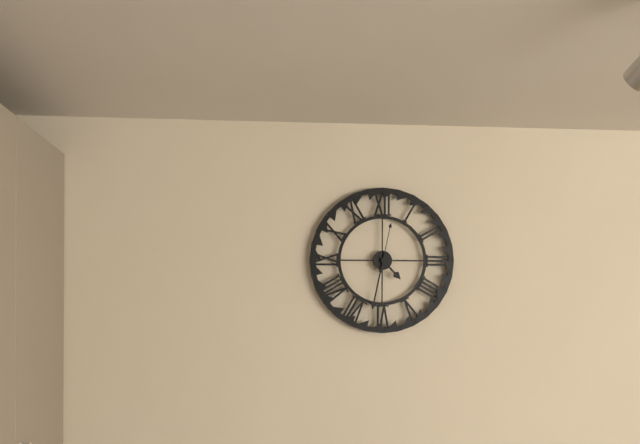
4:32
